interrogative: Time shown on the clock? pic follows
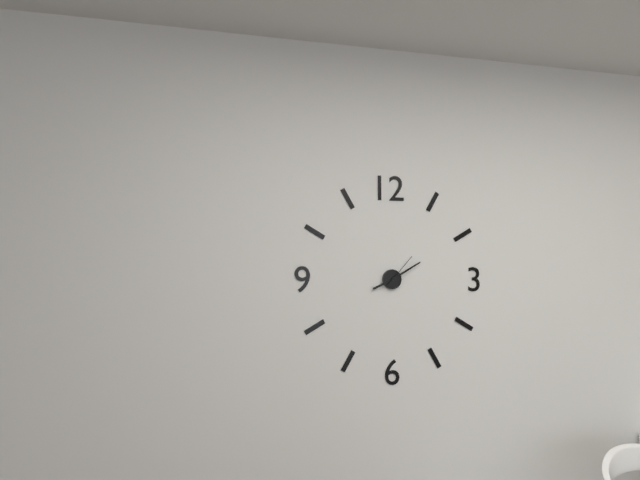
8:10
